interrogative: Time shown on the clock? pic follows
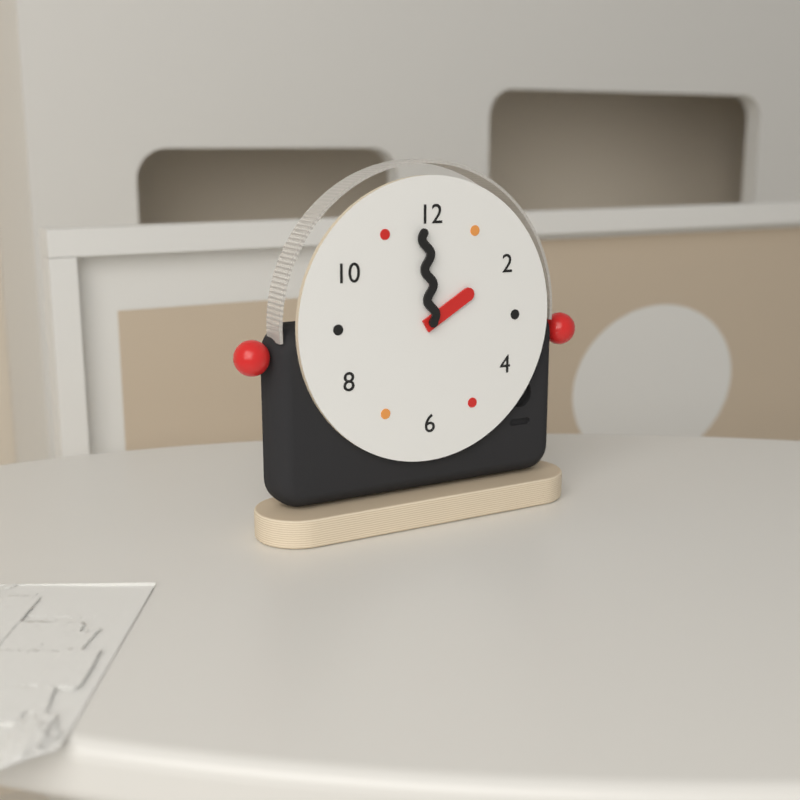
1:59
